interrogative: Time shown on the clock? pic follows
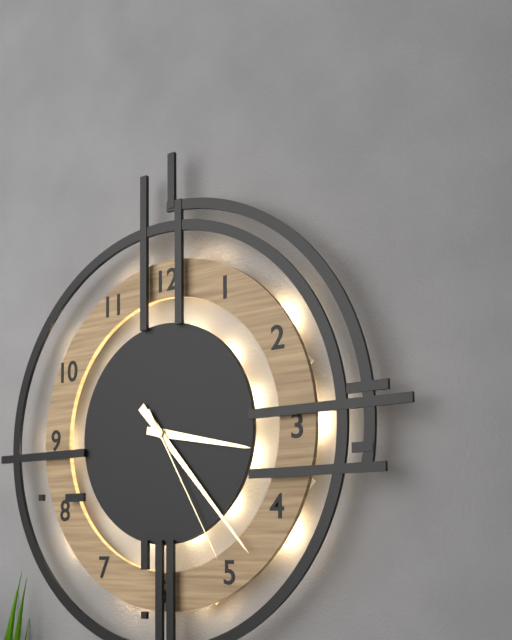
3:23:25
